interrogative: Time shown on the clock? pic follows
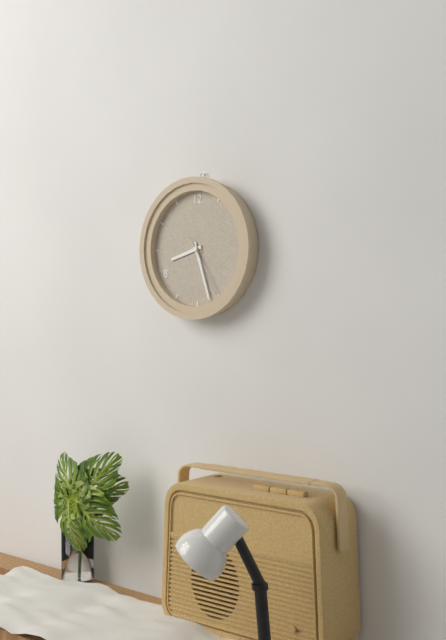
8:27:25
